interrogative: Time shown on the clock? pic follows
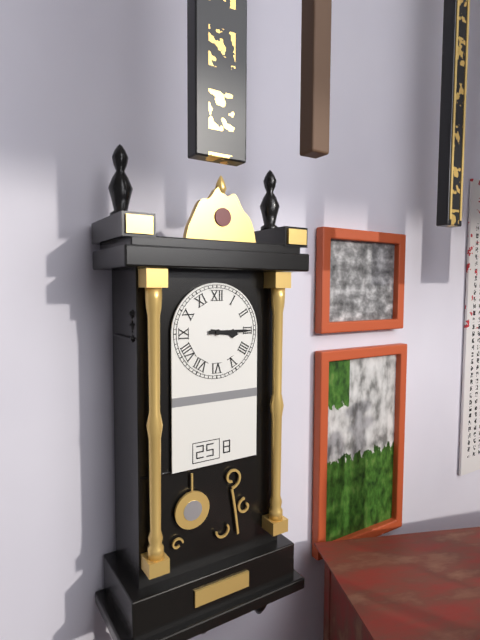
3:15
